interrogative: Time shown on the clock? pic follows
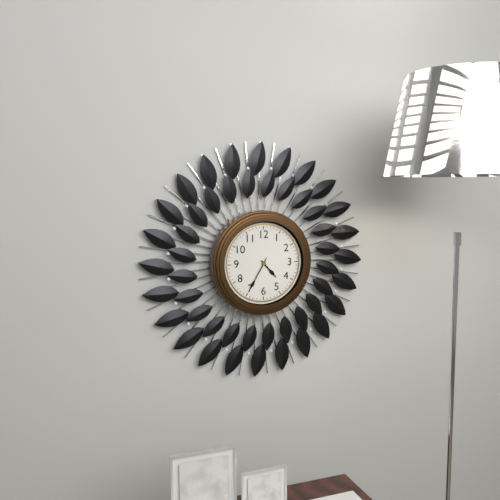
4:35
